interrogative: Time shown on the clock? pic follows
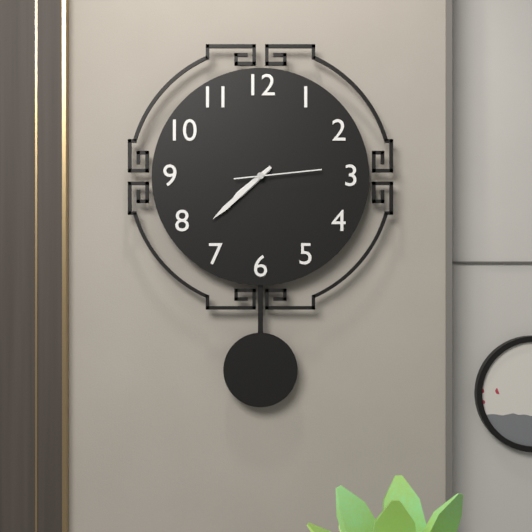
7:38:14
